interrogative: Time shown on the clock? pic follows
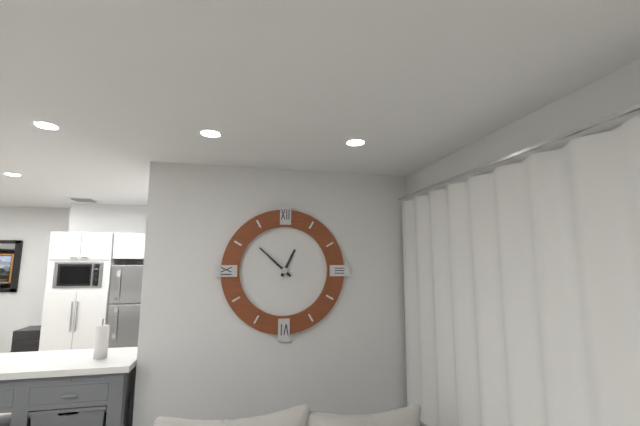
12:52
